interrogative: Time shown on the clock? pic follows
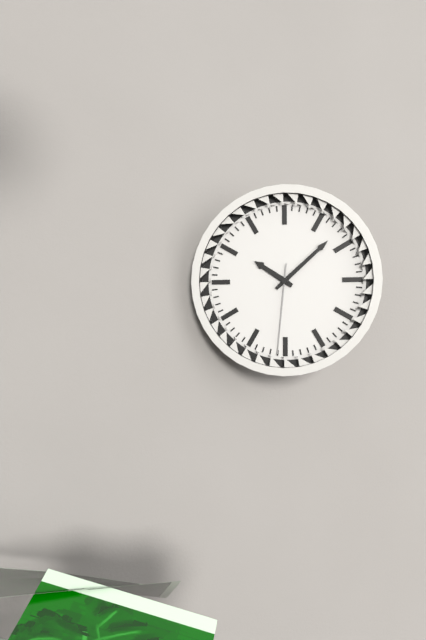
10:08:31
